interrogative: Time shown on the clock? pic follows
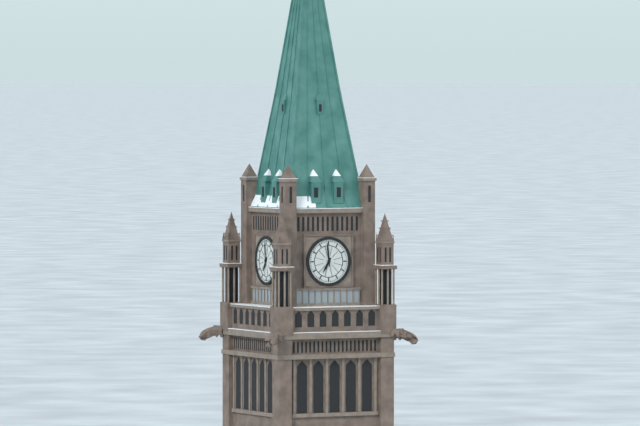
6:59
